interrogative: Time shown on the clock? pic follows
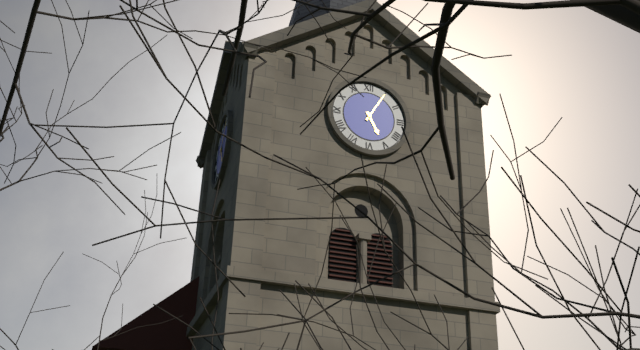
5:05
